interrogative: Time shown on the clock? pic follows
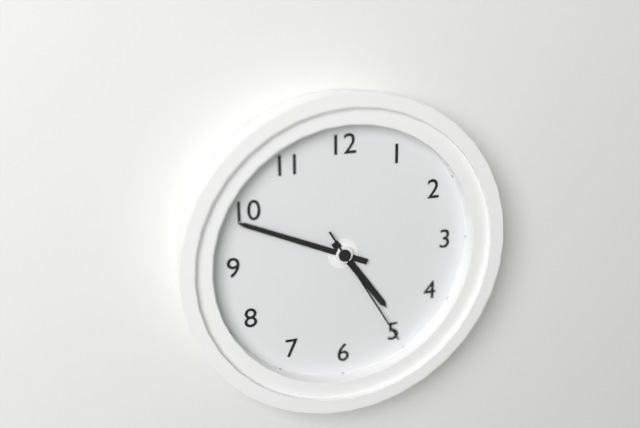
4:49:25
